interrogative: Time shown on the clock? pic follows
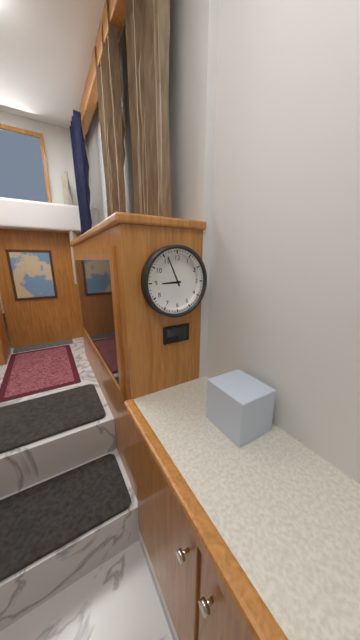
8:56
